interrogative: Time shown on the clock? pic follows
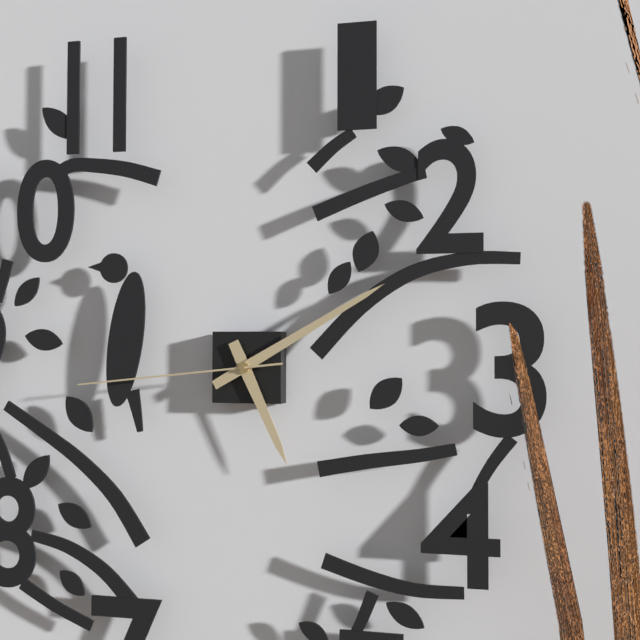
5:10:44
